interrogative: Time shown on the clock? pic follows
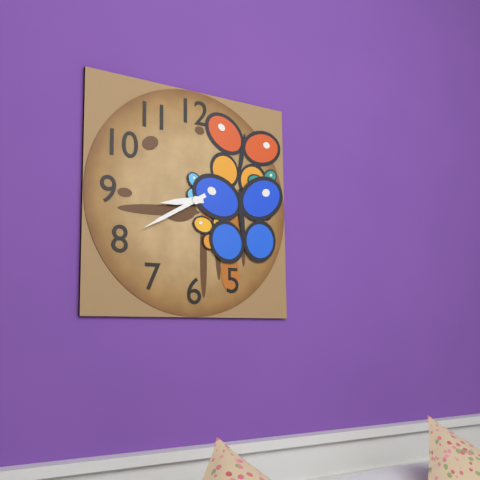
8:40
